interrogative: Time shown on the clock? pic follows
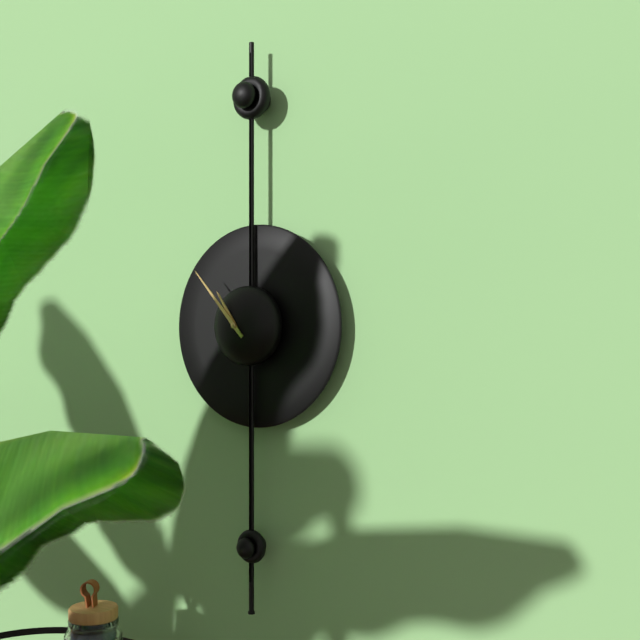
10:53
